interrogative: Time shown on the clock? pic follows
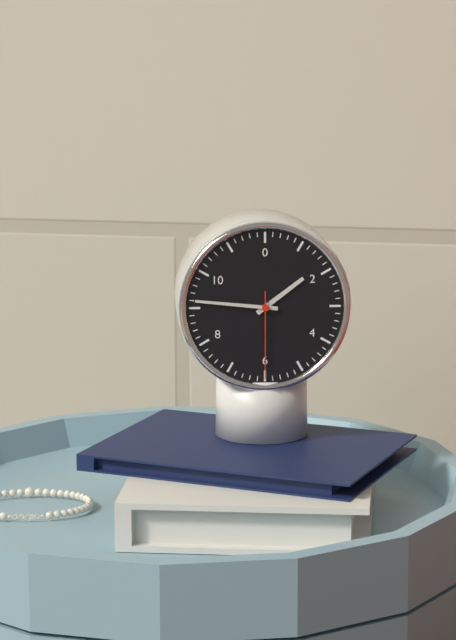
1:46:30
